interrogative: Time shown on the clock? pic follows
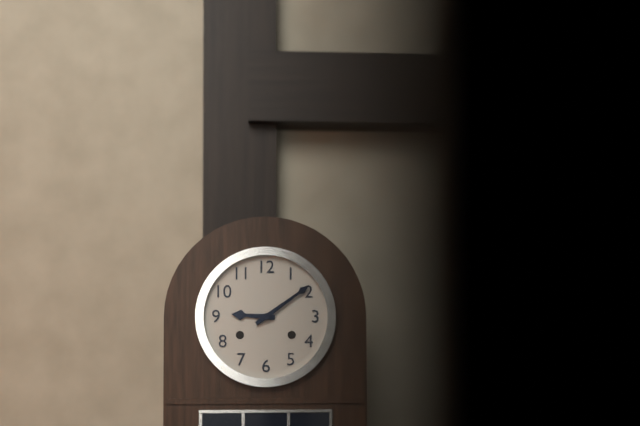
9:09
